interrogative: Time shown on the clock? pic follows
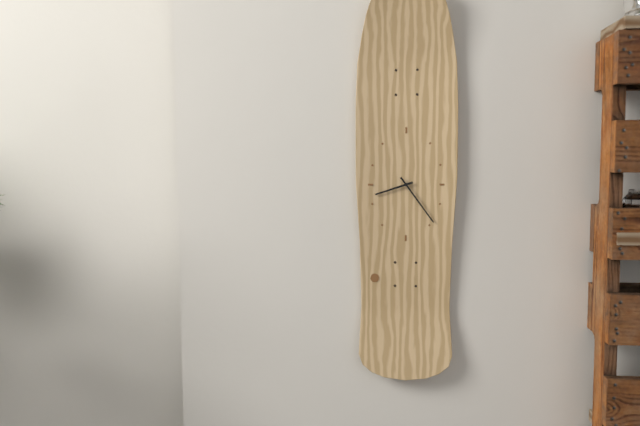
8:24
